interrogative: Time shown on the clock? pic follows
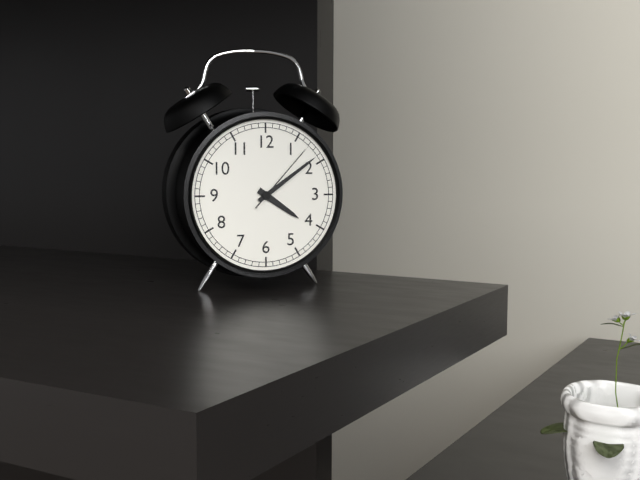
4:09:07
